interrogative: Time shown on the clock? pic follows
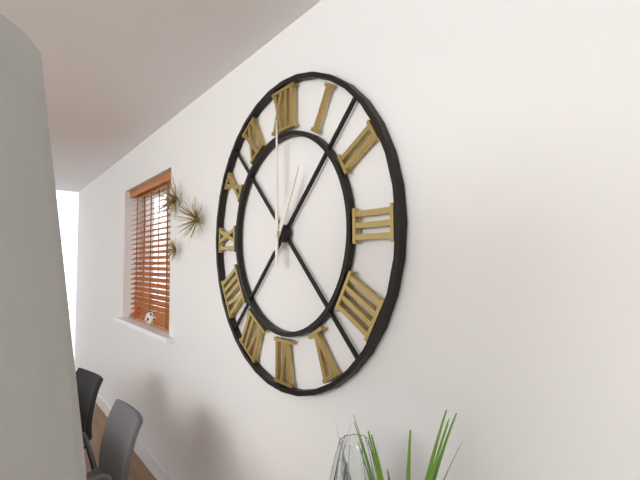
1:00
